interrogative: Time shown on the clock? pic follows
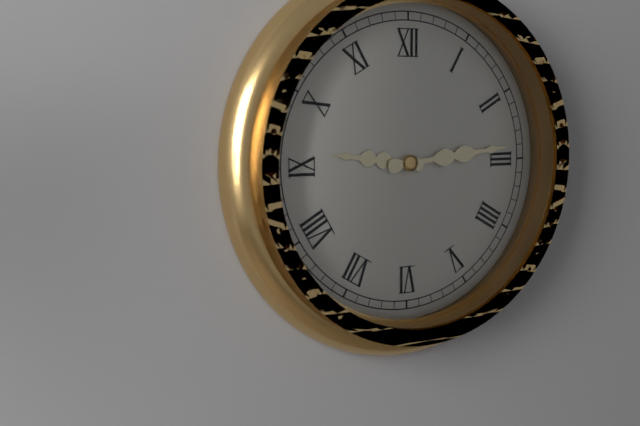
9:14
